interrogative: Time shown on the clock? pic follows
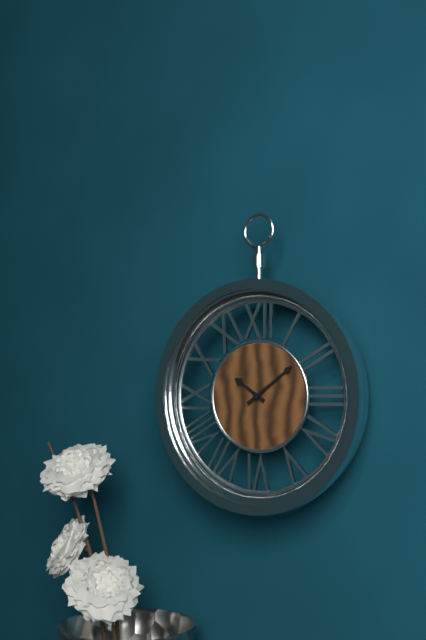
10:09
